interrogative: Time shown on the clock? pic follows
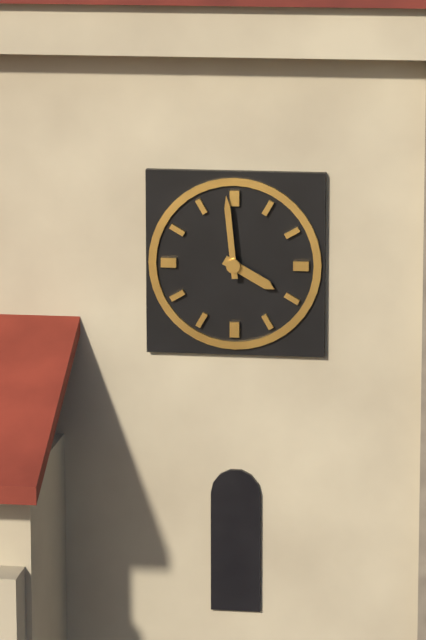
3:59
